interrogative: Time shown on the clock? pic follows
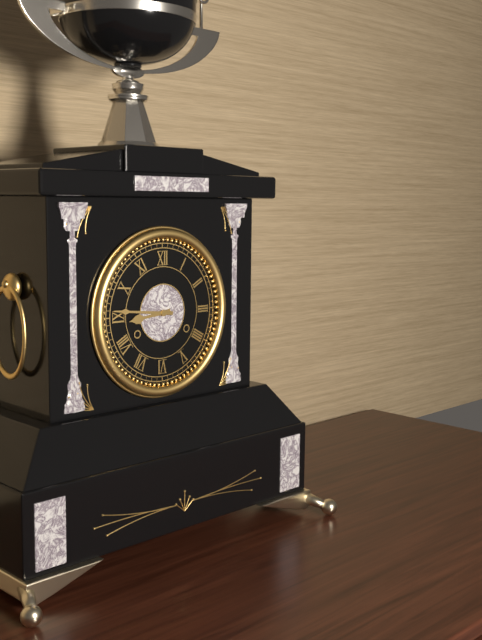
8:46
